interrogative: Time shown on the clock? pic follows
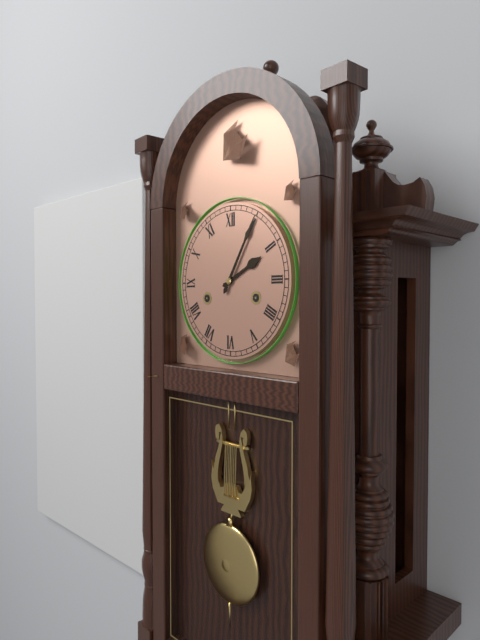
2:05
